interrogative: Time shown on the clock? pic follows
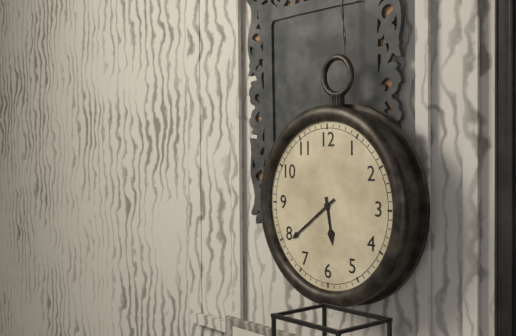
5:39
